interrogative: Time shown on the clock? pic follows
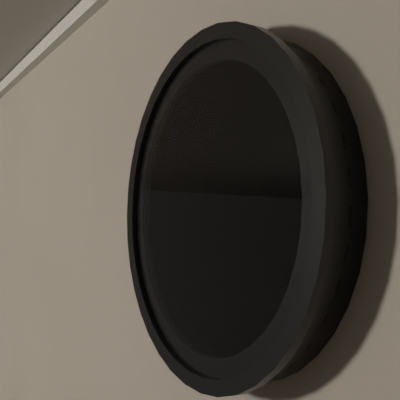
5:00
